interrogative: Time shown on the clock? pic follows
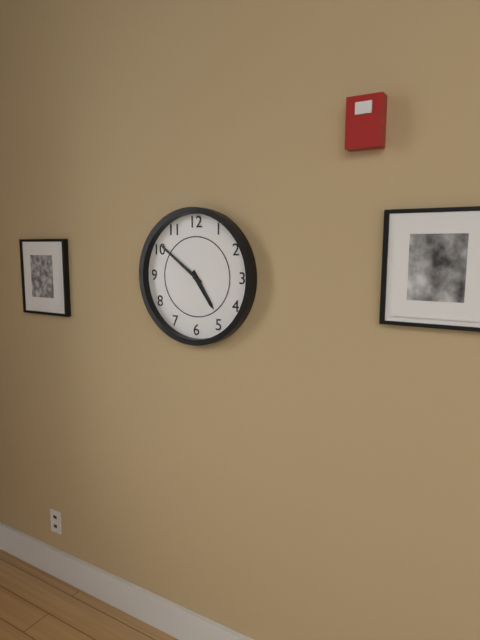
4:51
